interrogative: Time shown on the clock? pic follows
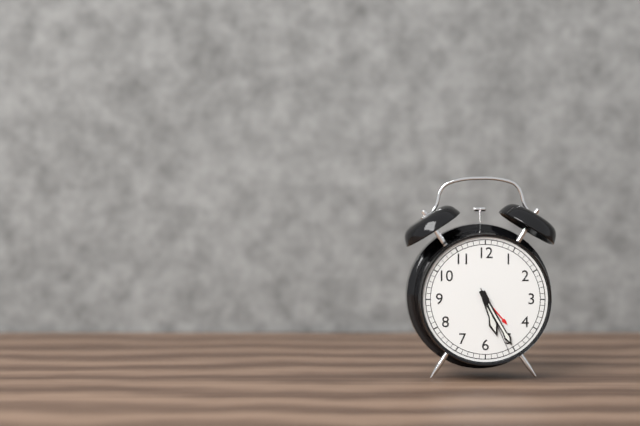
5:25:26
